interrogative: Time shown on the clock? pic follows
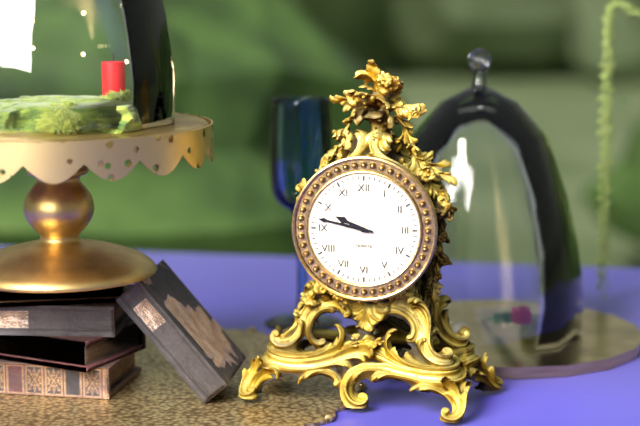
9:47
